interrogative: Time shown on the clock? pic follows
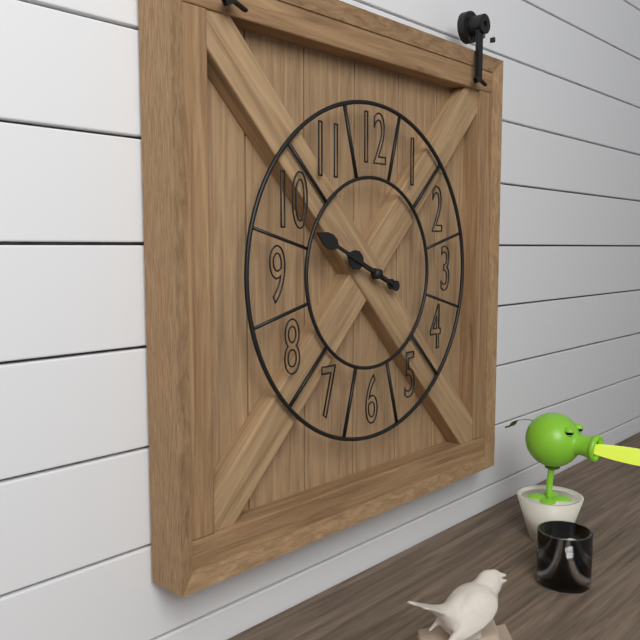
9:49
